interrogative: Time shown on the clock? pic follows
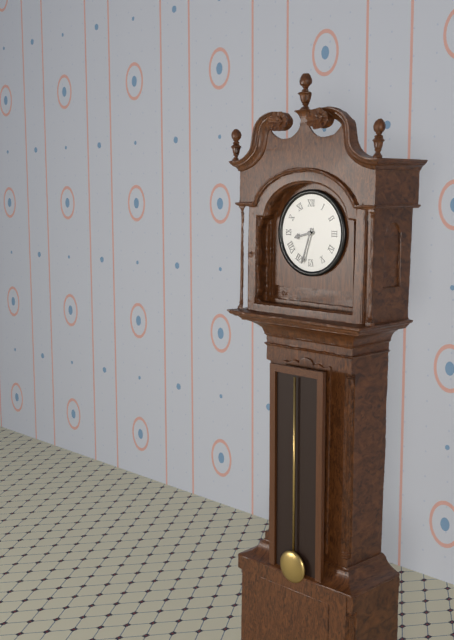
8:33
